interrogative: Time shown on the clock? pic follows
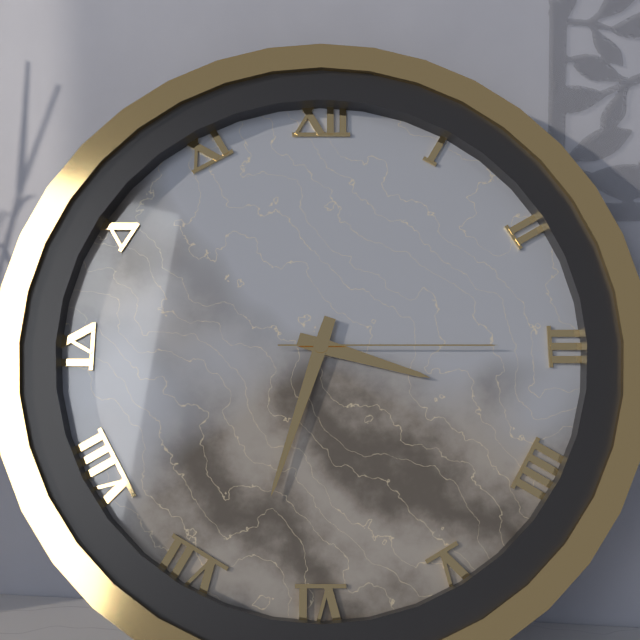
3:33:15
